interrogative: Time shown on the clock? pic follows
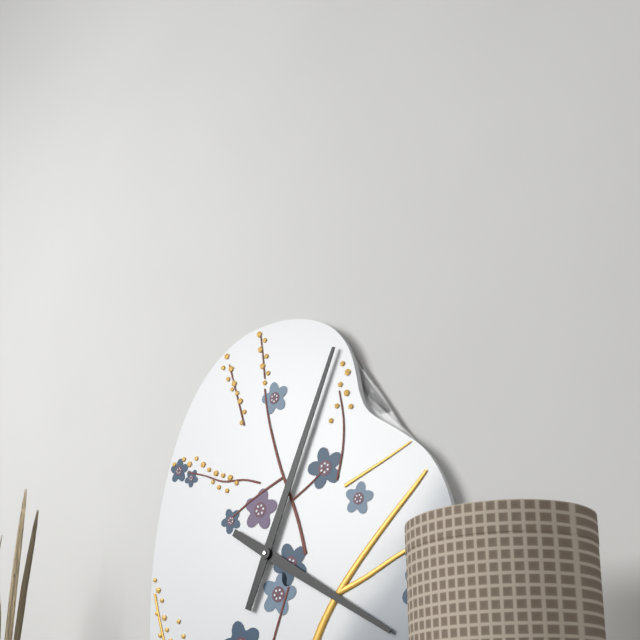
4:04
